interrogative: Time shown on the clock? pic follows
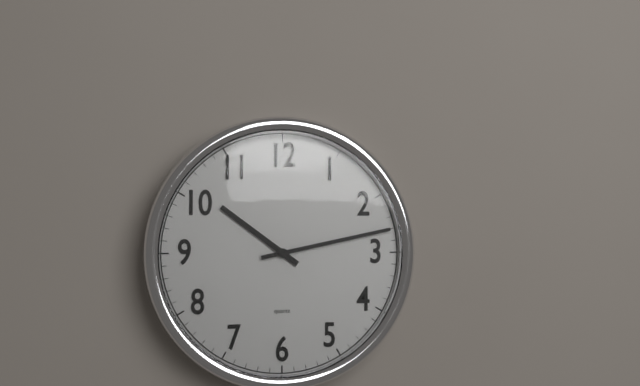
10:13
